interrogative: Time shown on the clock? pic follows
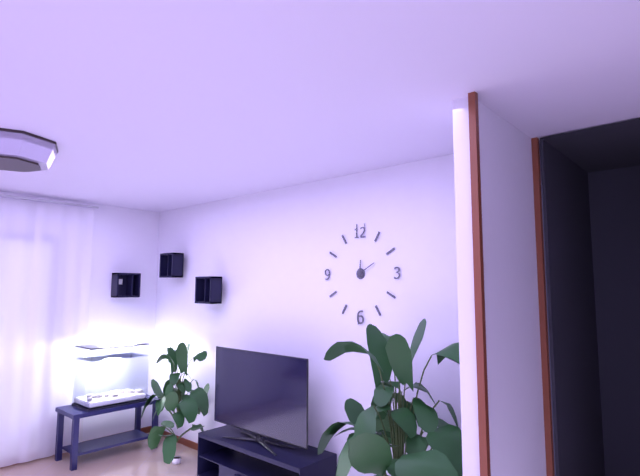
12:10
